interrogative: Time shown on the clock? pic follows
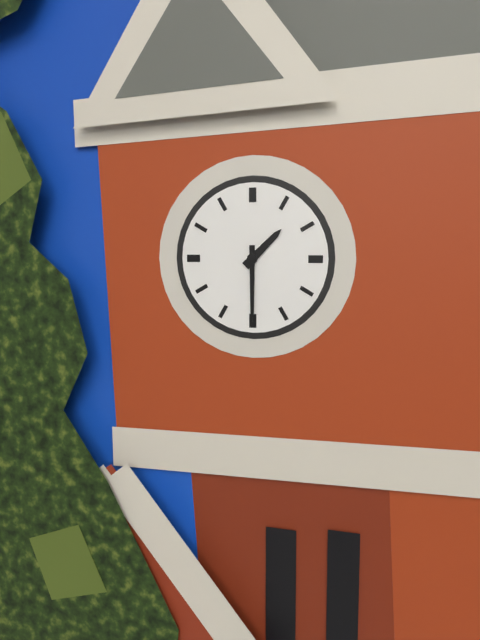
1:30
